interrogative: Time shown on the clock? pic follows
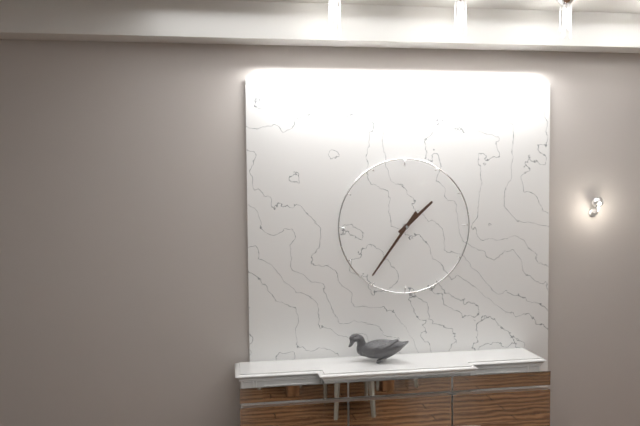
1:36
